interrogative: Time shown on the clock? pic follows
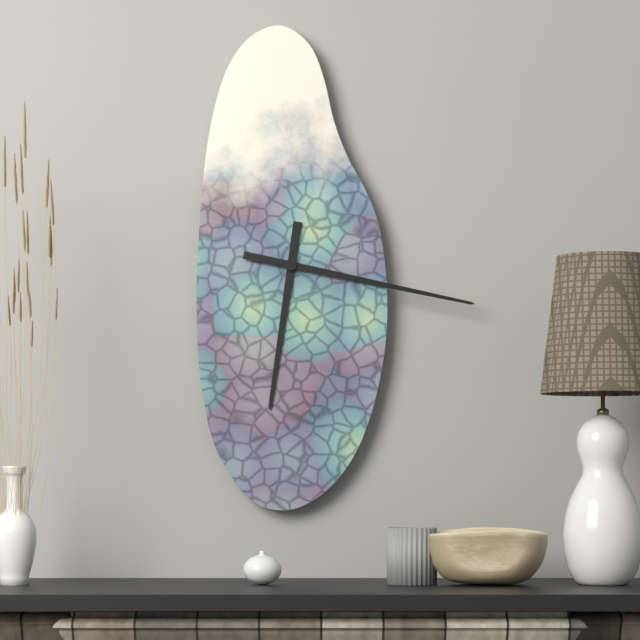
6:17
